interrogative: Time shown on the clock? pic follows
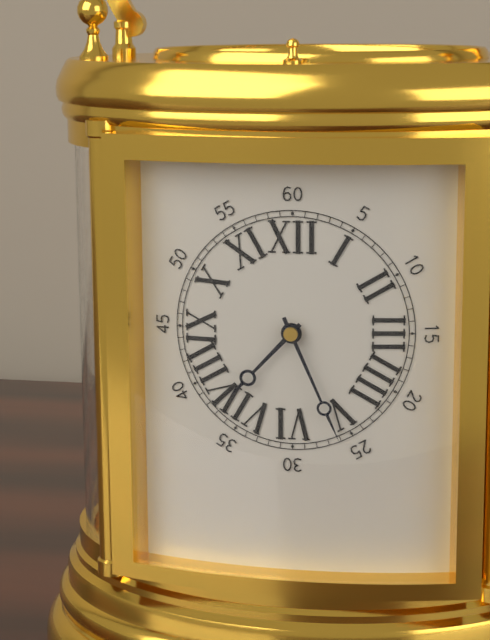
7:26
